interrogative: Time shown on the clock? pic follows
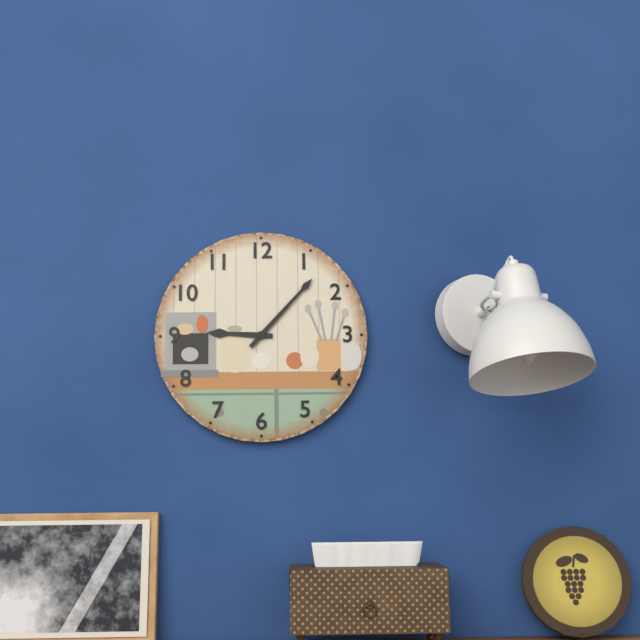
9:07
